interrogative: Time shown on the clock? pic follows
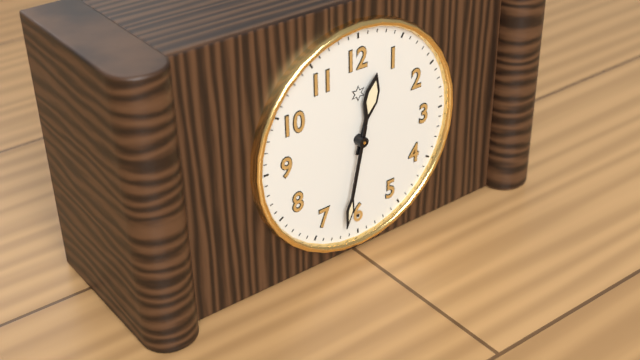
12:32
